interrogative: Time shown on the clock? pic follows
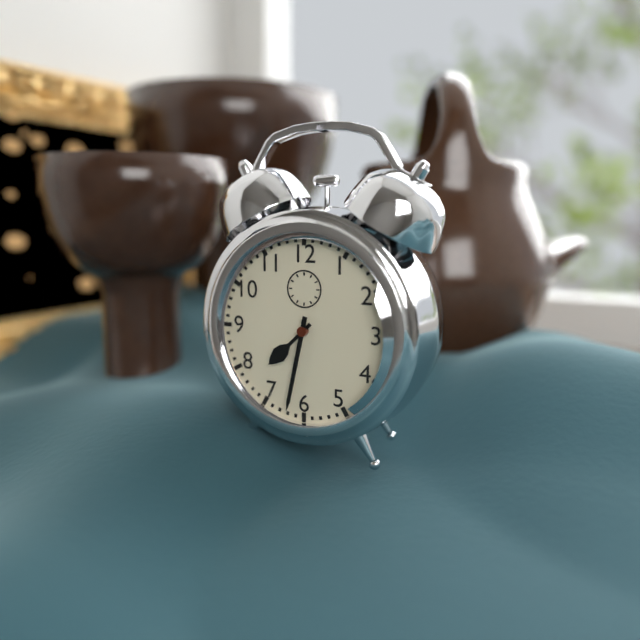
7:32
